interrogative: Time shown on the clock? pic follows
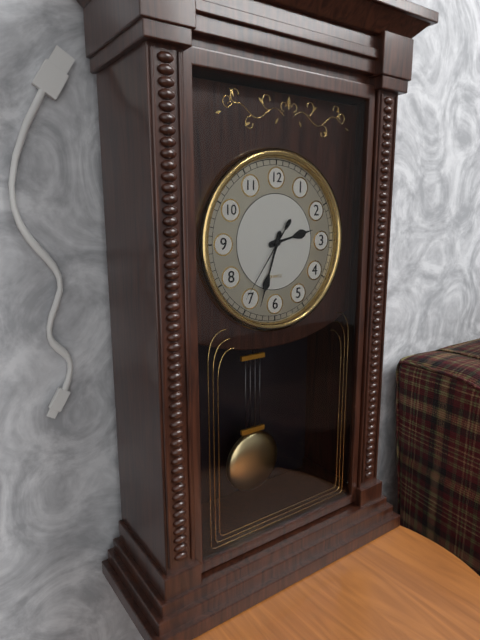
2:33:36
